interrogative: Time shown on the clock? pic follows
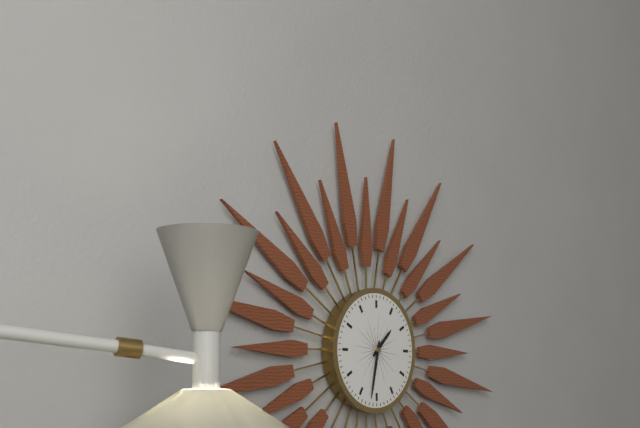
1:32
